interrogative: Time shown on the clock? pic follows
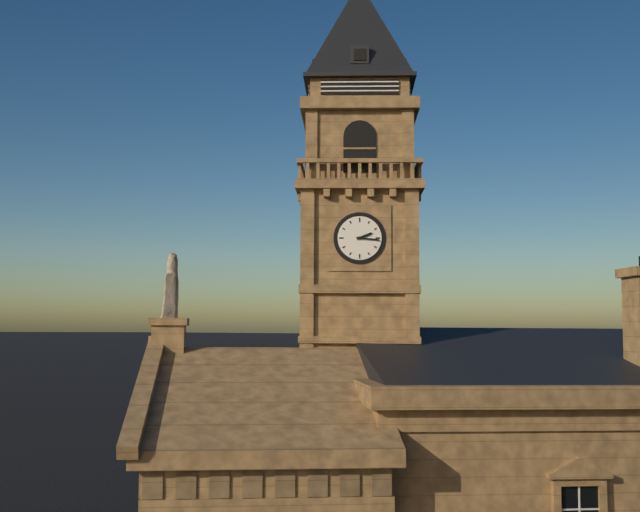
2:16
